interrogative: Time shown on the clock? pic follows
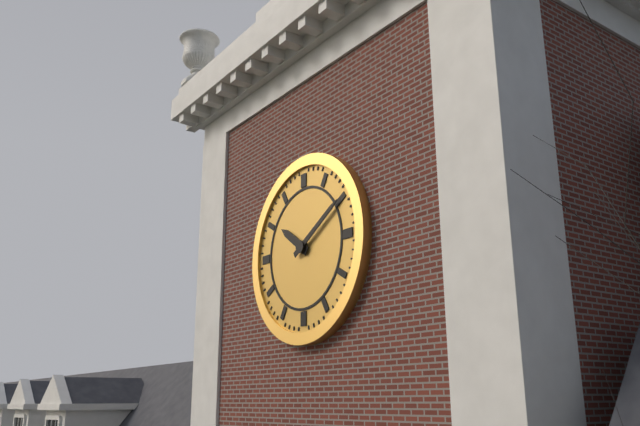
10:10
